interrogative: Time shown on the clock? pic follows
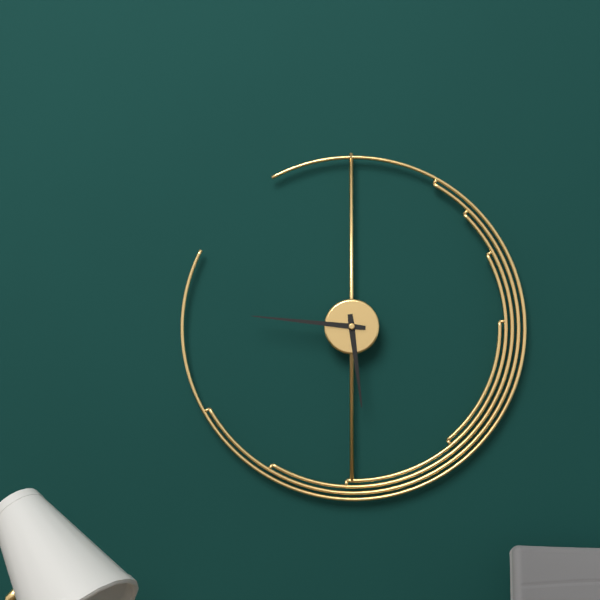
5:46
